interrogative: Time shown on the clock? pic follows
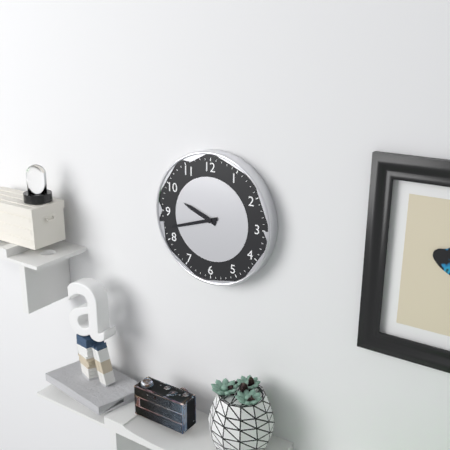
9:42
